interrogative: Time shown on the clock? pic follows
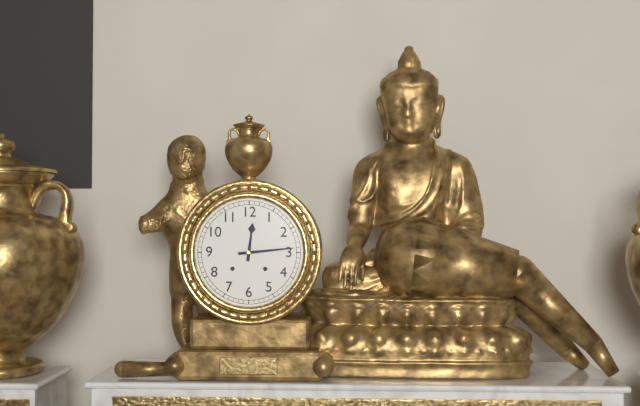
12:14
